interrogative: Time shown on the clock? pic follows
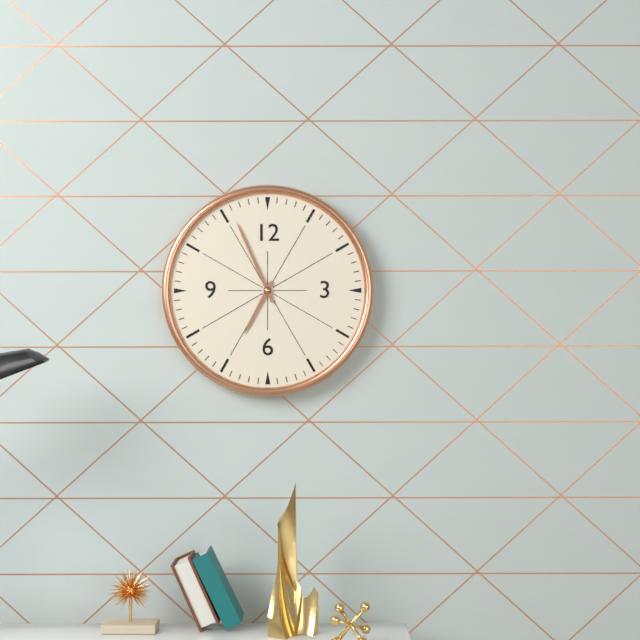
6:56
